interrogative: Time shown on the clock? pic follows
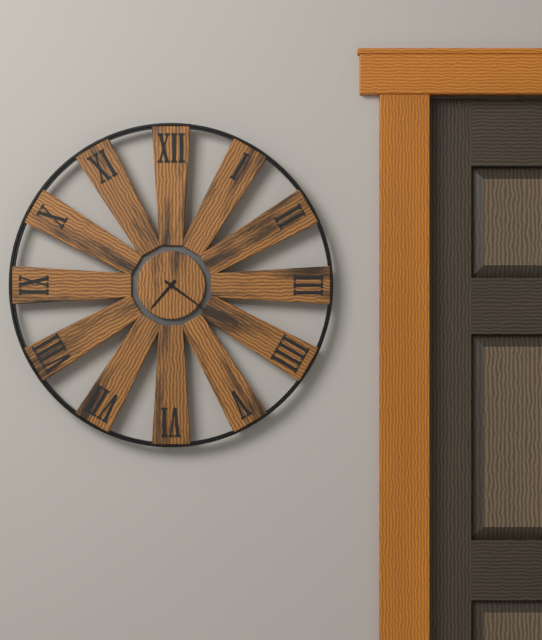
7:21
